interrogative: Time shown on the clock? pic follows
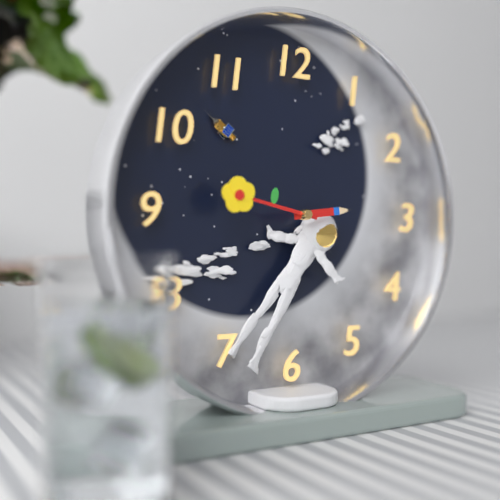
2:47
